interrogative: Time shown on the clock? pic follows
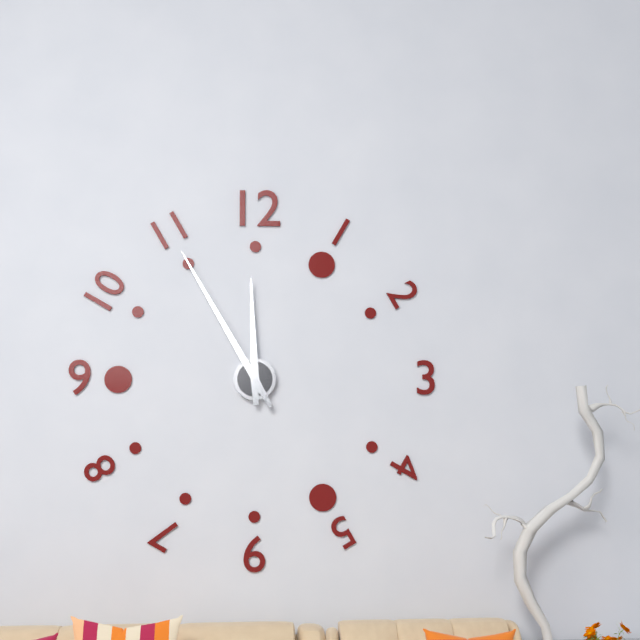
11:55
